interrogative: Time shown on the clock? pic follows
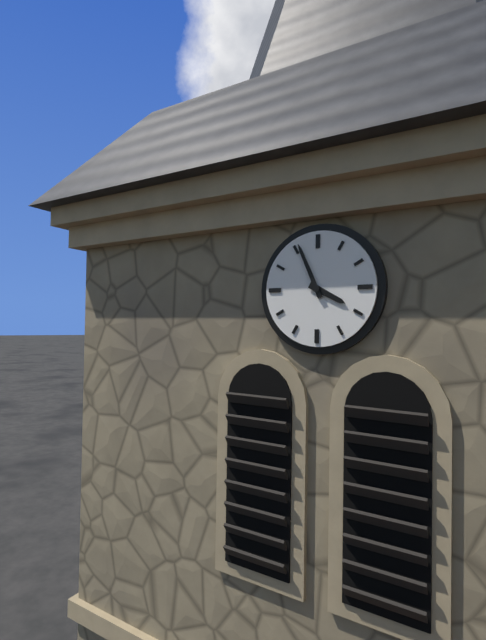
3:56
